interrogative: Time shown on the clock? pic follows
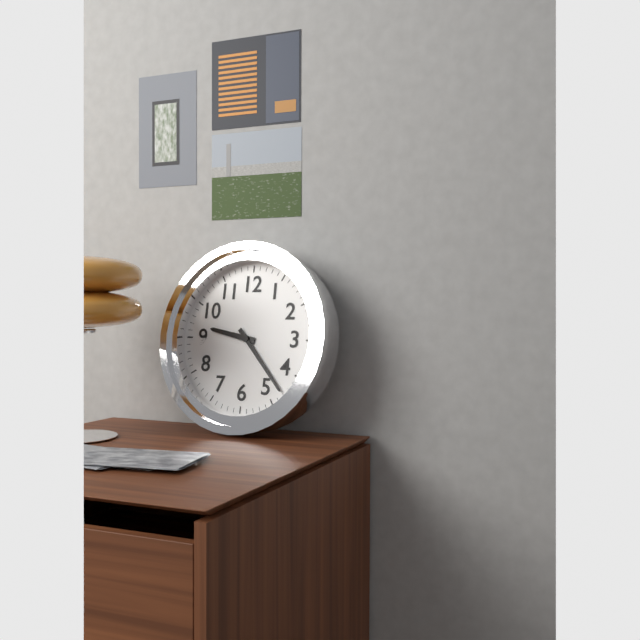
9:23
